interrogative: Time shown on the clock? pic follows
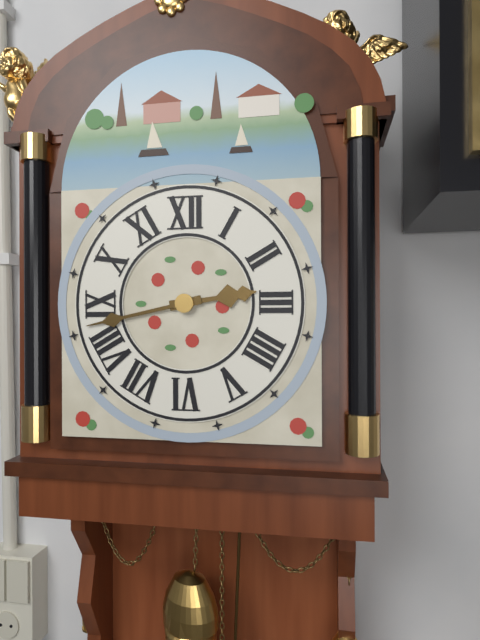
2:43
